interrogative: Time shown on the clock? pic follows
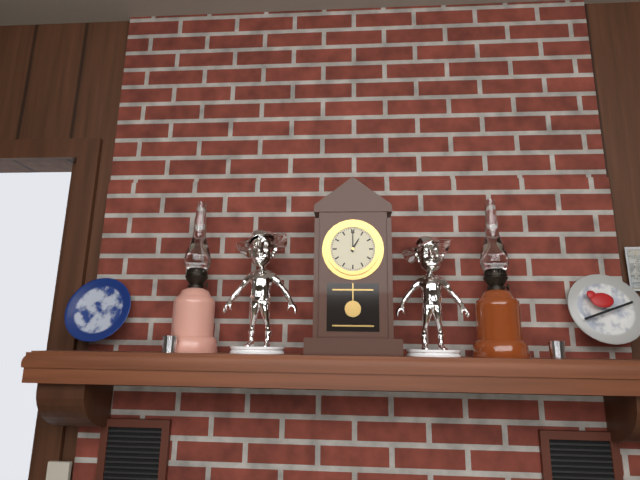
1:00
